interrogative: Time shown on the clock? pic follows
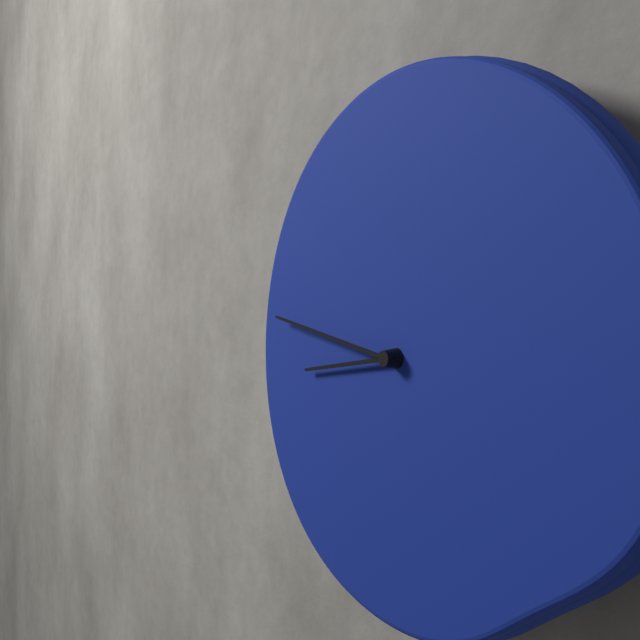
8:47
